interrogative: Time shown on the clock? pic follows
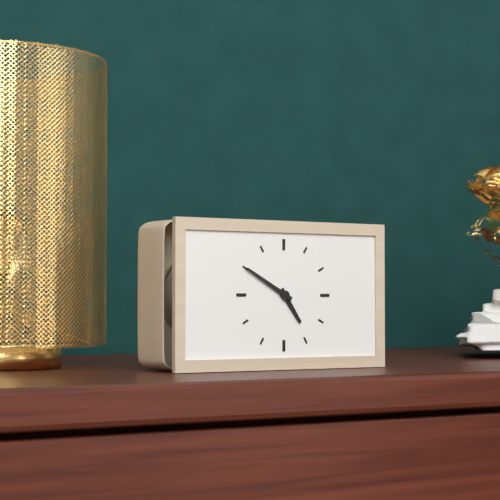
4:50
